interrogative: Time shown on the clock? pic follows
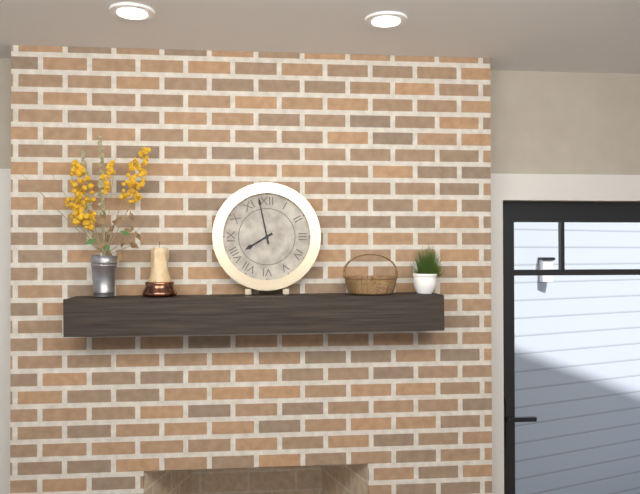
7:58
